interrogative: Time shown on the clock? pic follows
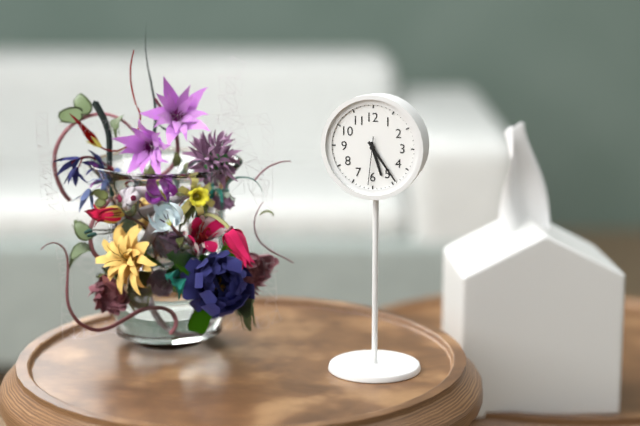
5:24
